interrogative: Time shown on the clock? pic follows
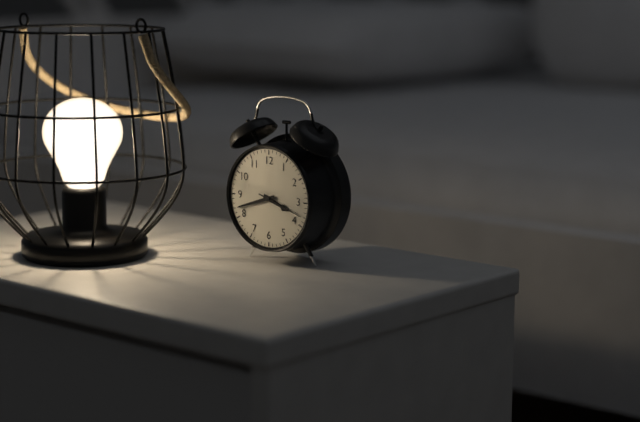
3:42
